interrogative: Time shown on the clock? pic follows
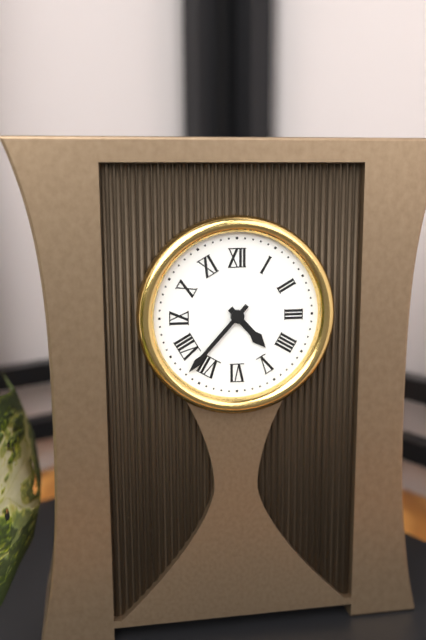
4:37
